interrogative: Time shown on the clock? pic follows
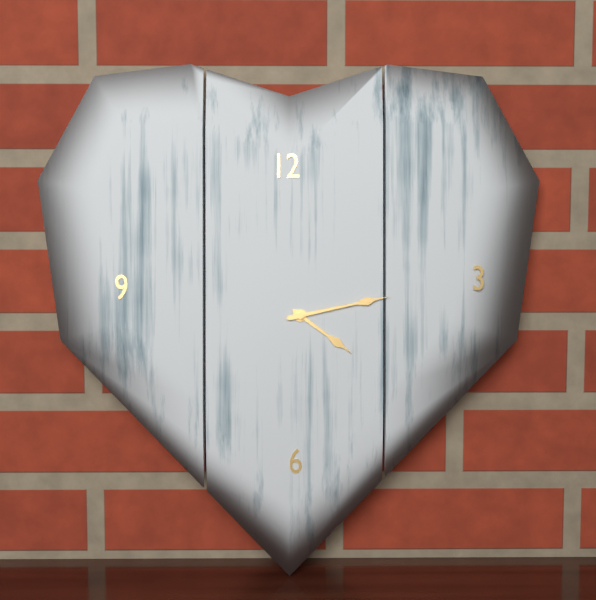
4:13
